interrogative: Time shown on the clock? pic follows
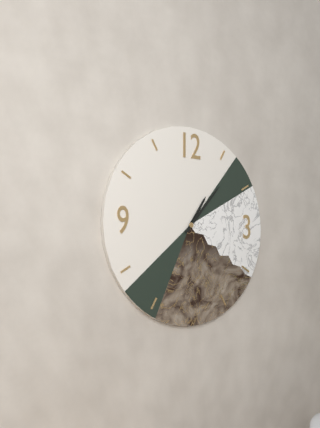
1:07
